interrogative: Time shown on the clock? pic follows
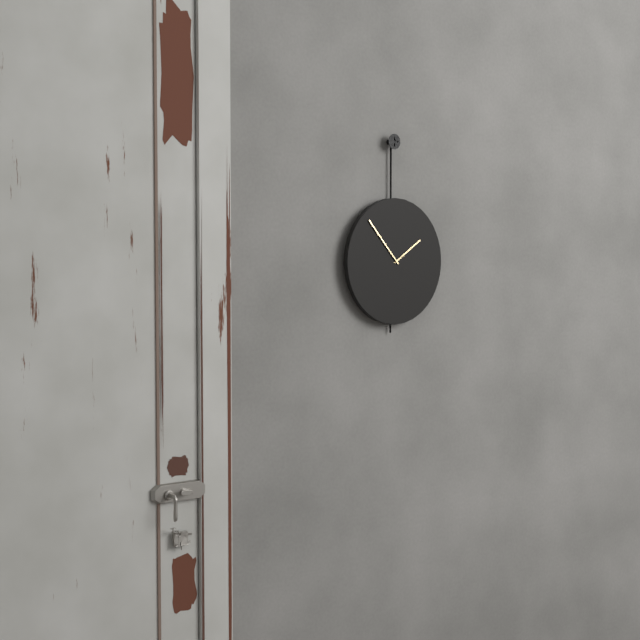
1:53
